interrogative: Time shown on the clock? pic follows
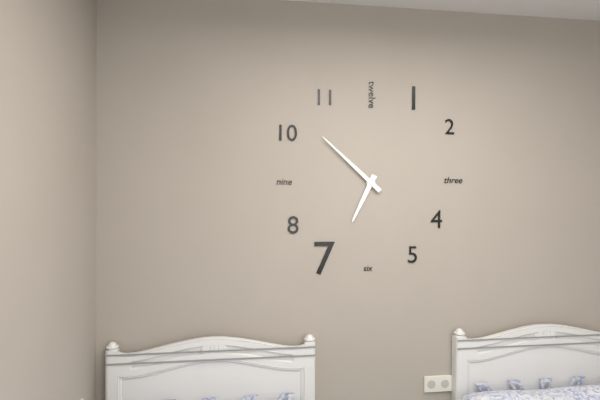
6:52
